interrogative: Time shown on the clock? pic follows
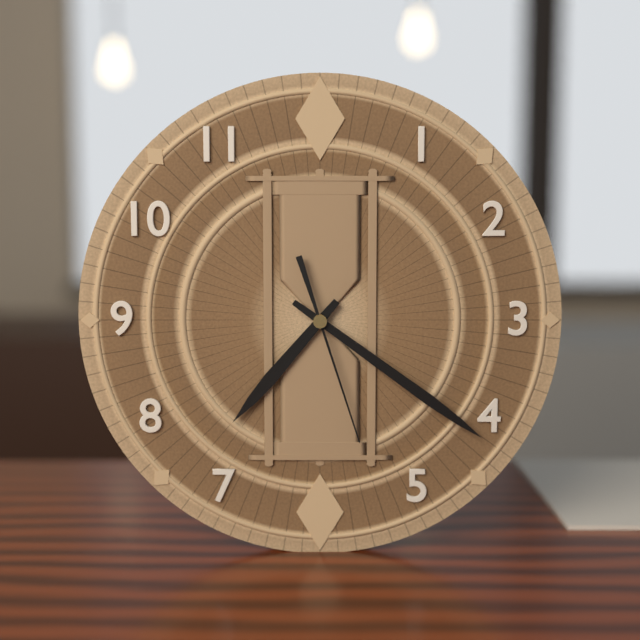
7:21:27
